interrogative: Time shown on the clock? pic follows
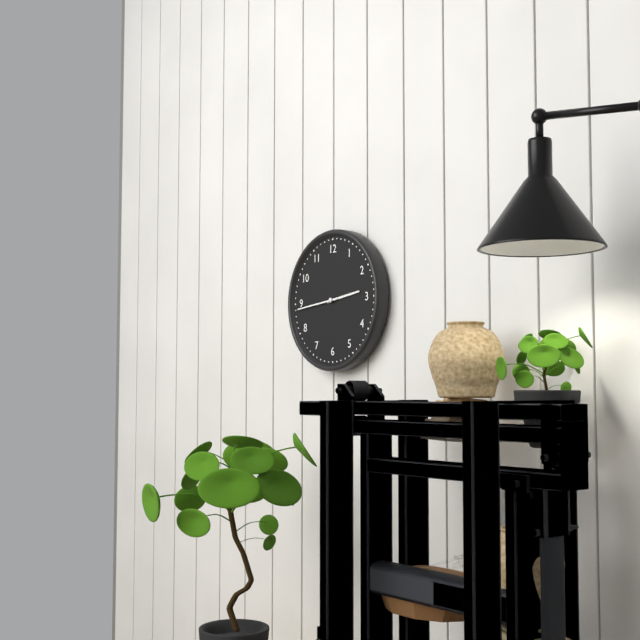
2:44
